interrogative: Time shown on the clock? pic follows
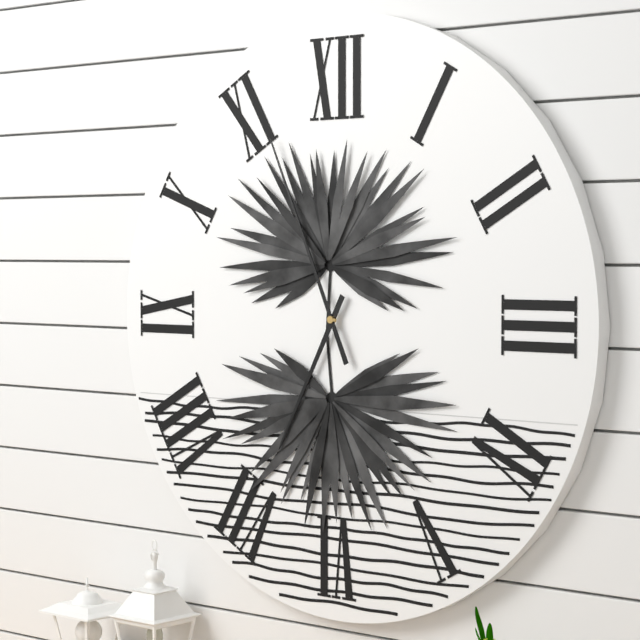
6:56
